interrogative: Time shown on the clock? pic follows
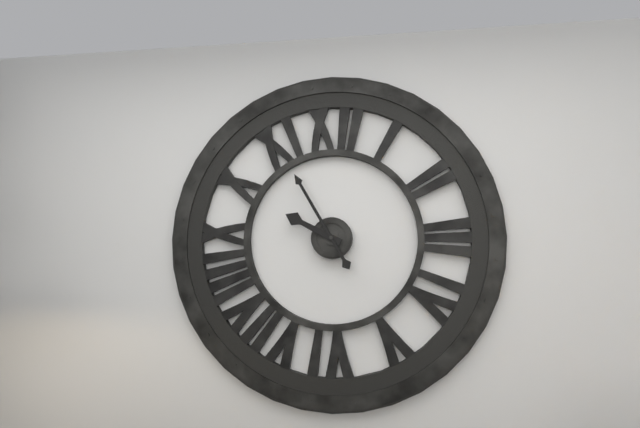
9:55
